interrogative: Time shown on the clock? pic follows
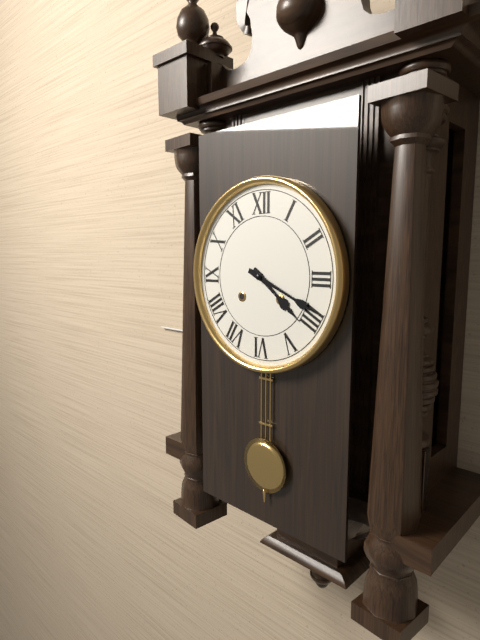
4:19
